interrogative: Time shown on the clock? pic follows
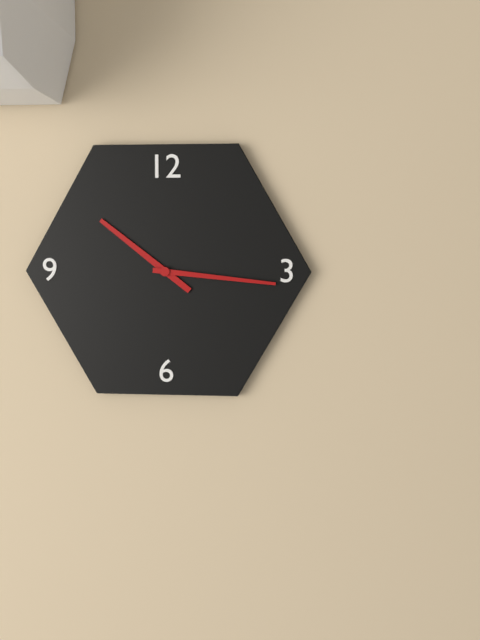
10:16
